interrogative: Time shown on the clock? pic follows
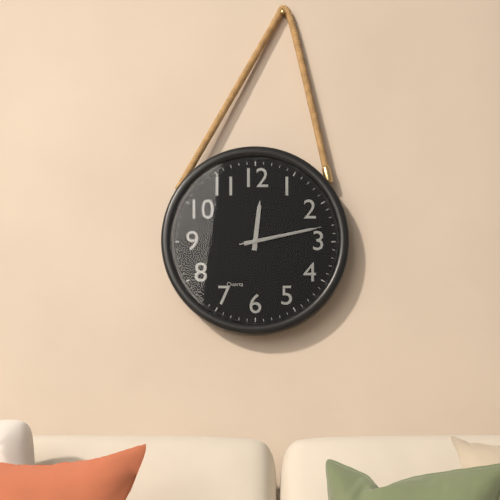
12:13:13
